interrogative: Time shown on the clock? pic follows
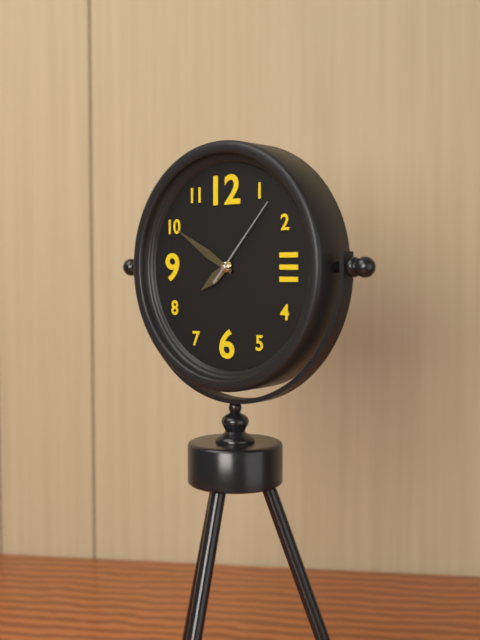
7:50:07
